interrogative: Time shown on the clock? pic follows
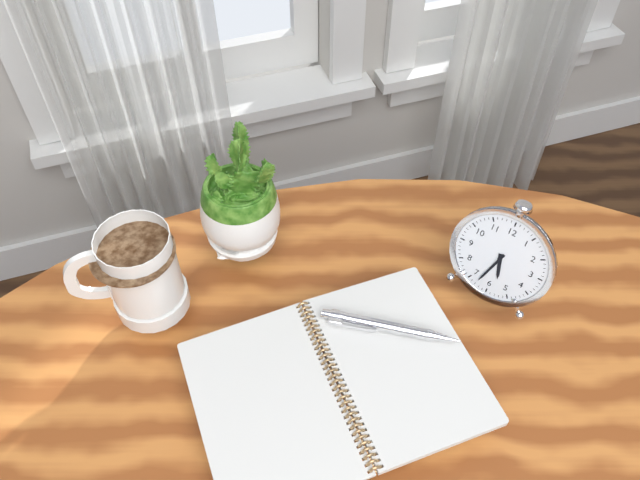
5:33
